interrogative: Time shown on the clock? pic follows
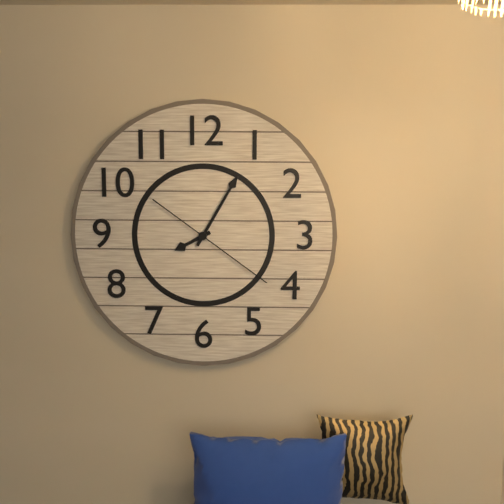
8:05:21
